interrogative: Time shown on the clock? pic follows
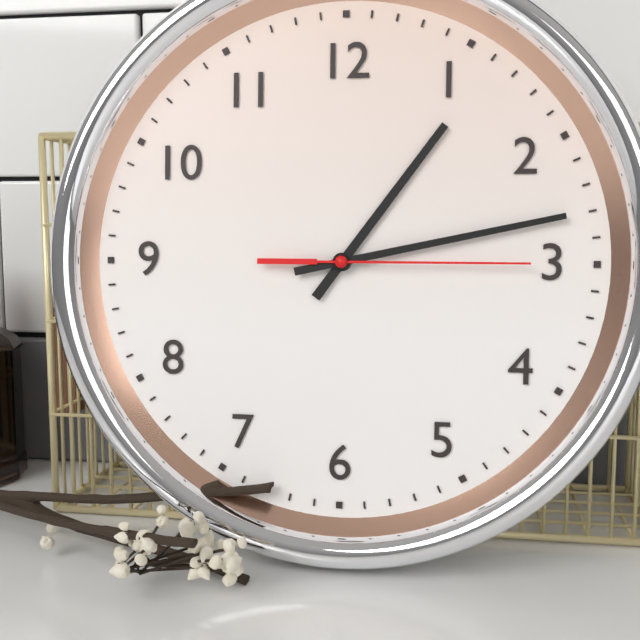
1:13:15
